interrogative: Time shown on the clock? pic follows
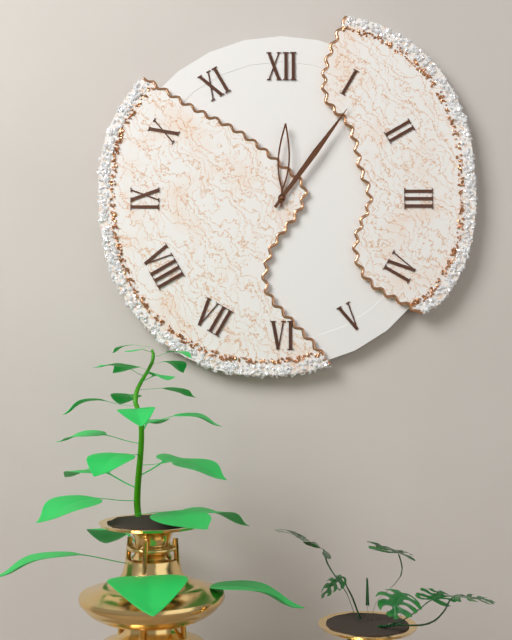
12:06
